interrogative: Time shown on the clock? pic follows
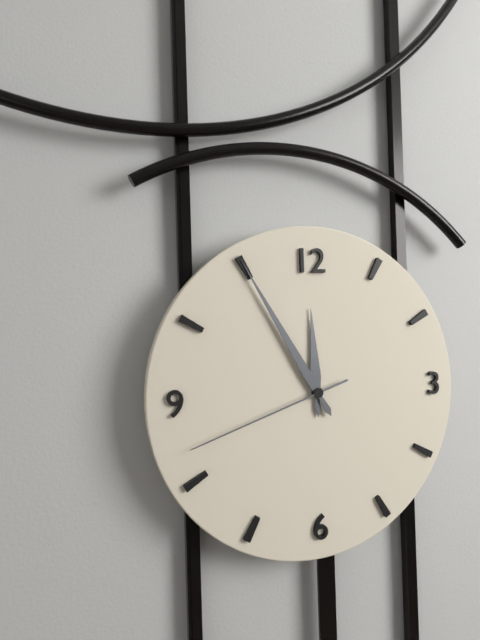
11:55:42
